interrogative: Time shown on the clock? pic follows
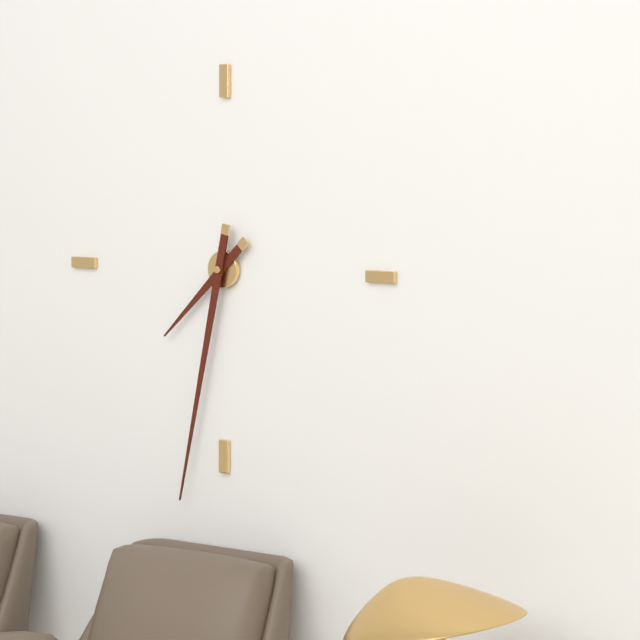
7:32
